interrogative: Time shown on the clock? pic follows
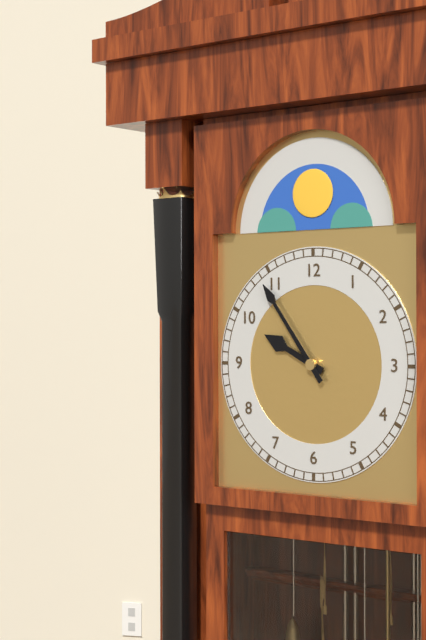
9:54
